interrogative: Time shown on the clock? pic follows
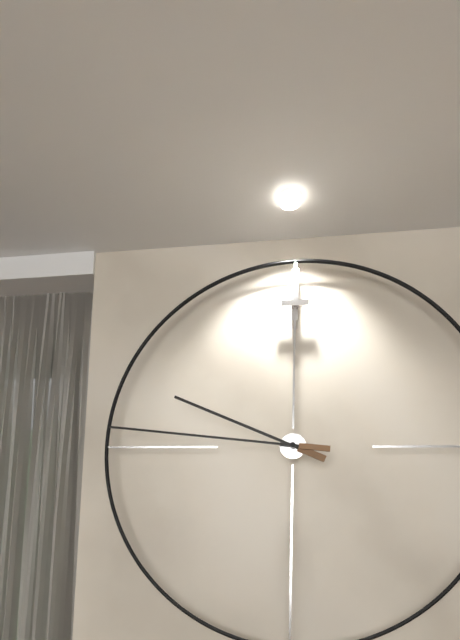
9:46
